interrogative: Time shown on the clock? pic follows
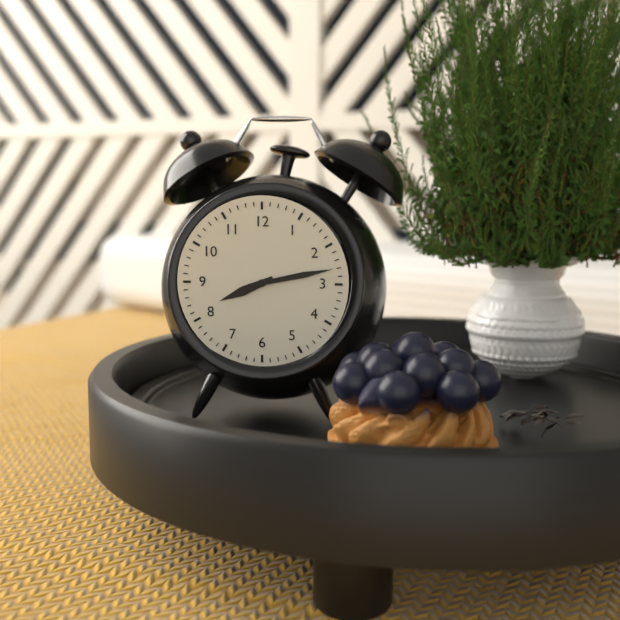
8:13
